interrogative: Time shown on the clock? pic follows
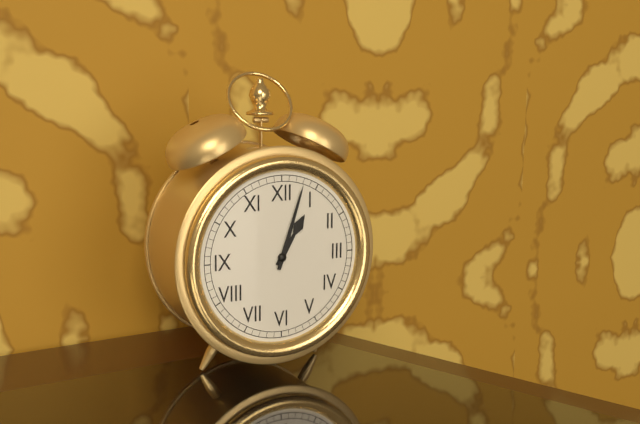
1:03
